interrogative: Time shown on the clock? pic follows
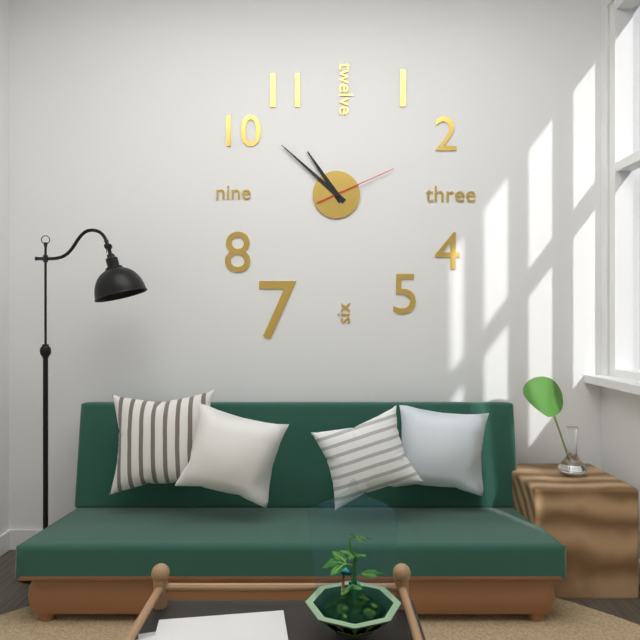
10:52:11
